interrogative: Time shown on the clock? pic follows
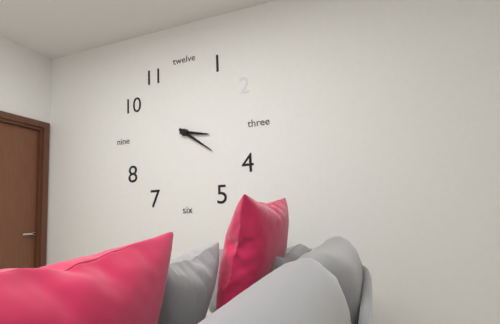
3:21
